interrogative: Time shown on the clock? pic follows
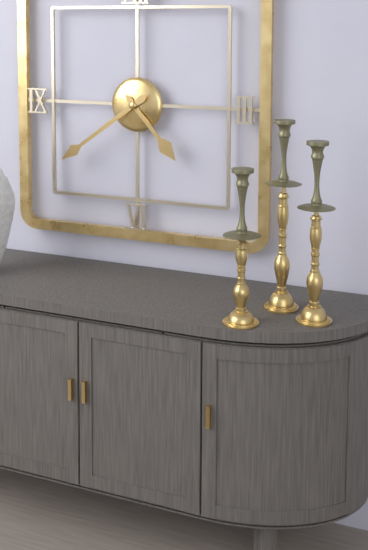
4:39
